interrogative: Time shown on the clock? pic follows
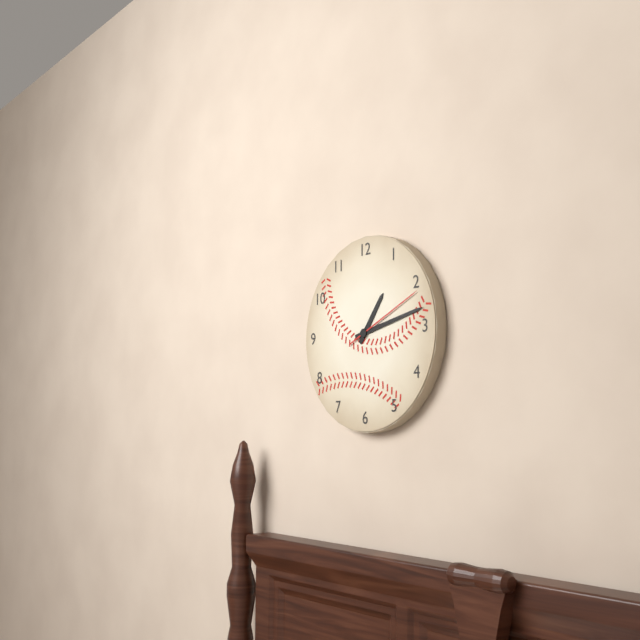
1:13:11
